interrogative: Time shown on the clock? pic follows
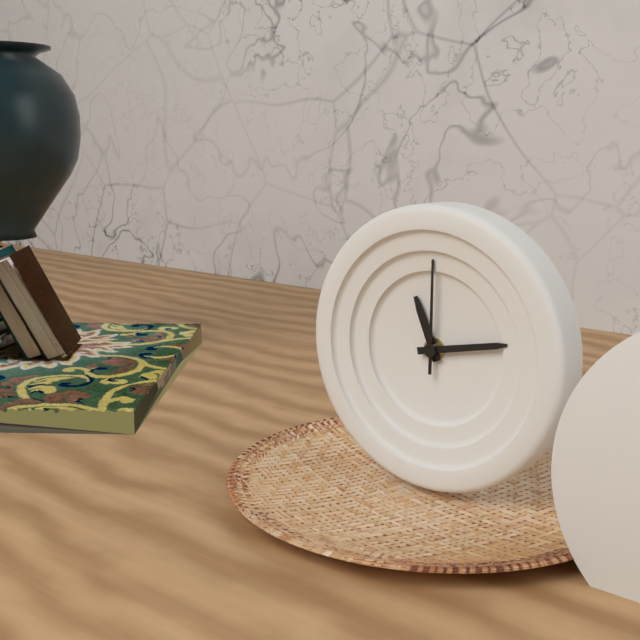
11:13:00
